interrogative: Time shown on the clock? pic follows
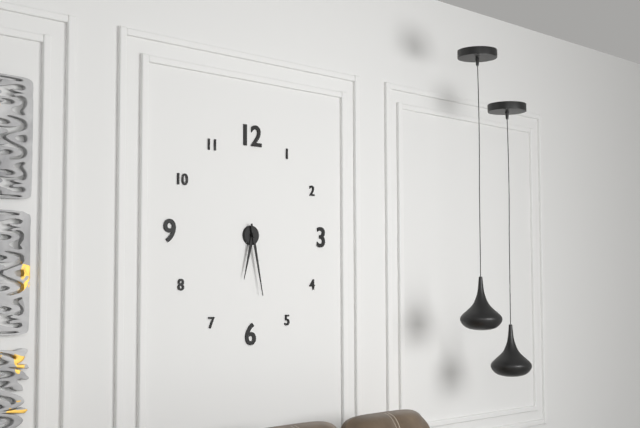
6:28
